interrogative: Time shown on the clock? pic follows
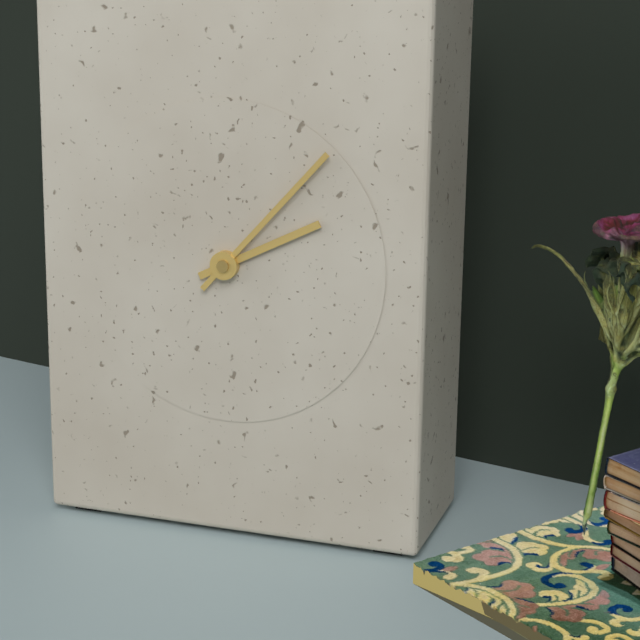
2:07
